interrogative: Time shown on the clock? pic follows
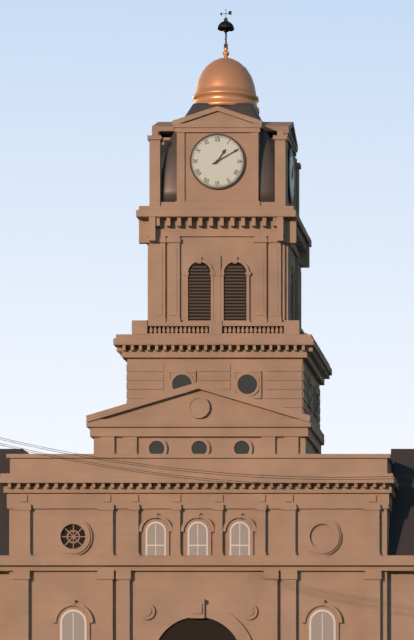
1:10
